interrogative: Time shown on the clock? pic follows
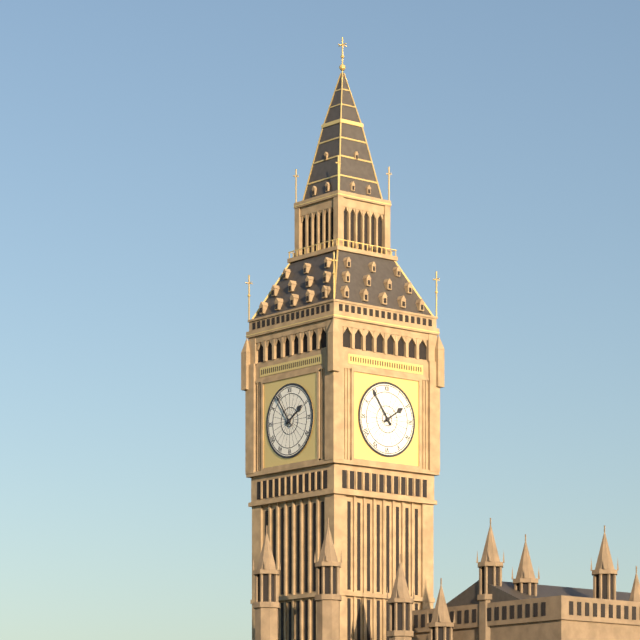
1:54
